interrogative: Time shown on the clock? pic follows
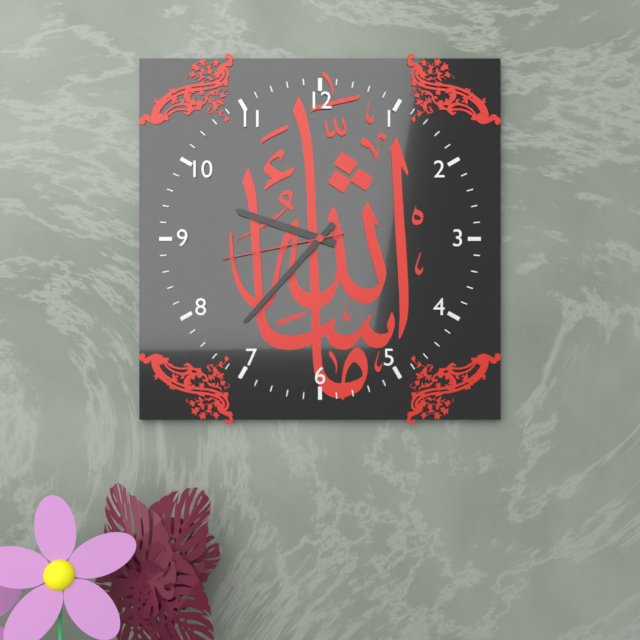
9:37:43
